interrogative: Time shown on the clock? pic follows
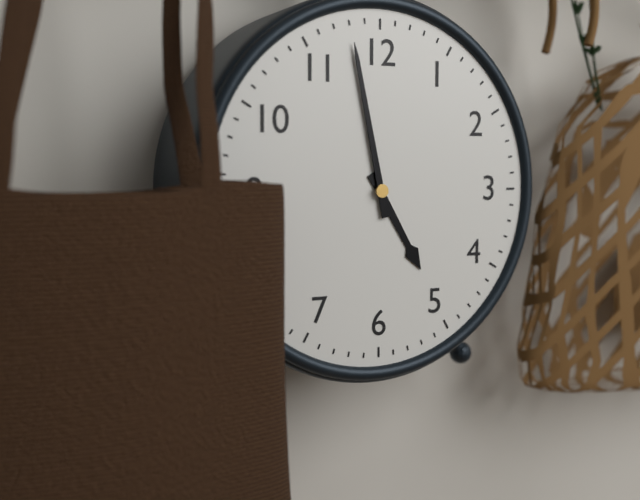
4:58
